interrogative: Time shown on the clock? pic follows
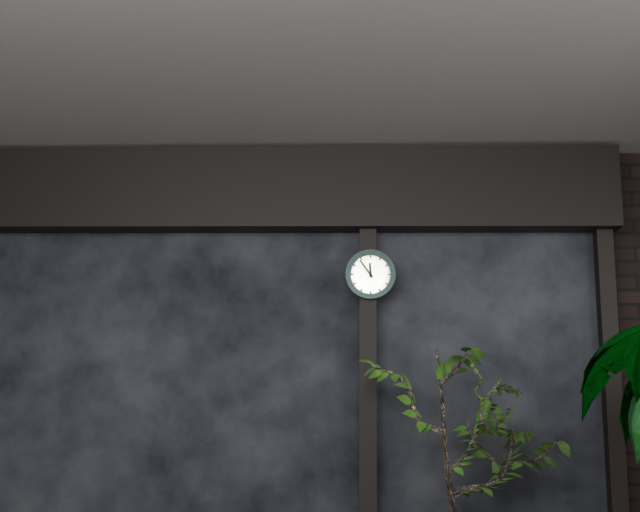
11:54
